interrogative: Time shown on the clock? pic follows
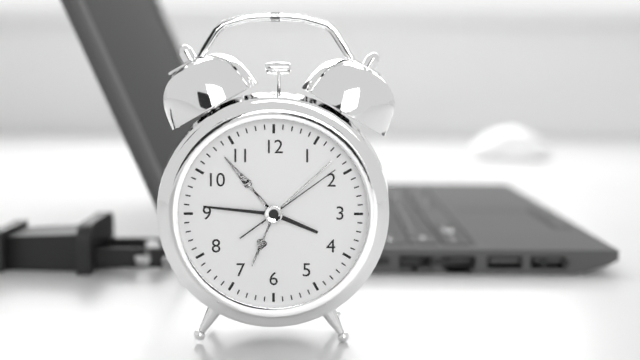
3:46:09
